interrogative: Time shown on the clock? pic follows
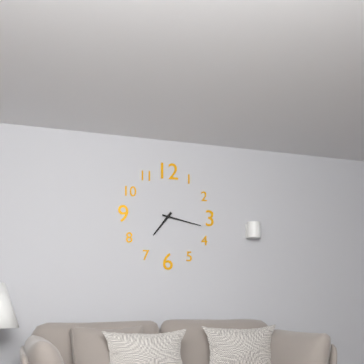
7:17
